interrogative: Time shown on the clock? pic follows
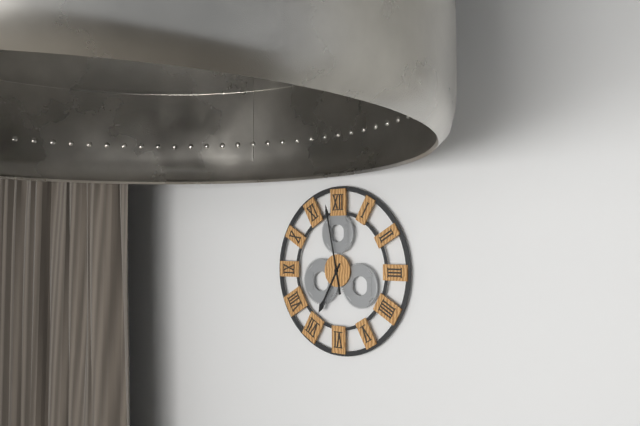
6:58
